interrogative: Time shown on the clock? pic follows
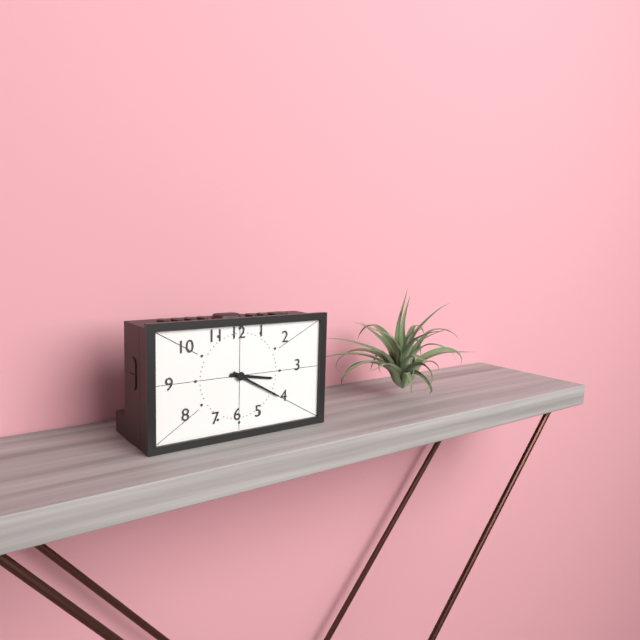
3:20
